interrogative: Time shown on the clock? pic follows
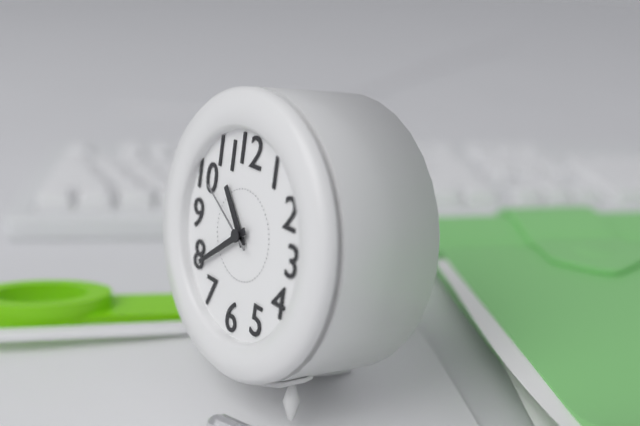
10:39:50
